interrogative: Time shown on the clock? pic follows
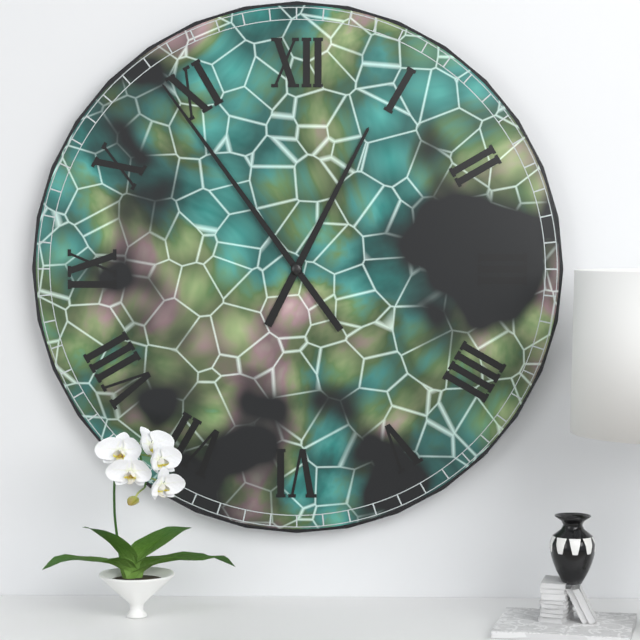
12:54
